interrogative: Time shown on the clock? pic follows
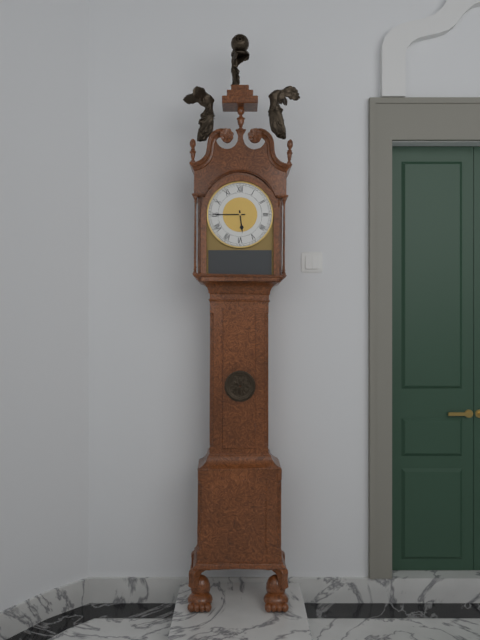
5:45
